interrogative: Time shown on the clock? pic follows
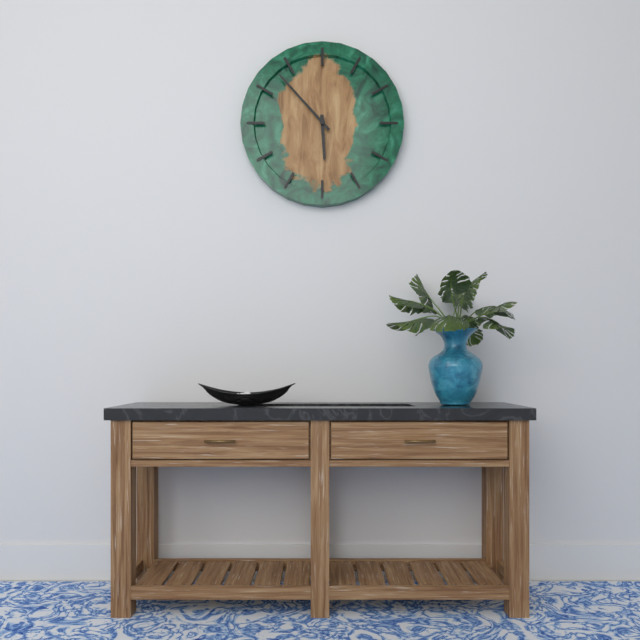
5:53
